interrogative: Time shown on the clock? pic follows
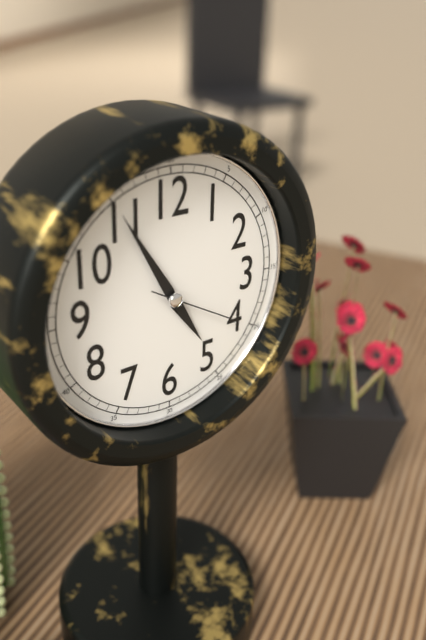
4:55:20
